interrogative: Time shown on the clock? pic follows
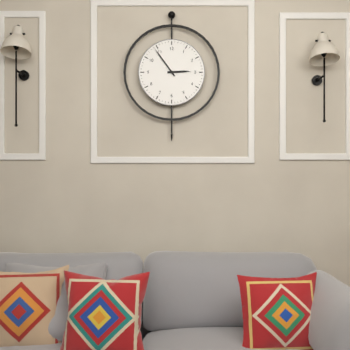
2:54
